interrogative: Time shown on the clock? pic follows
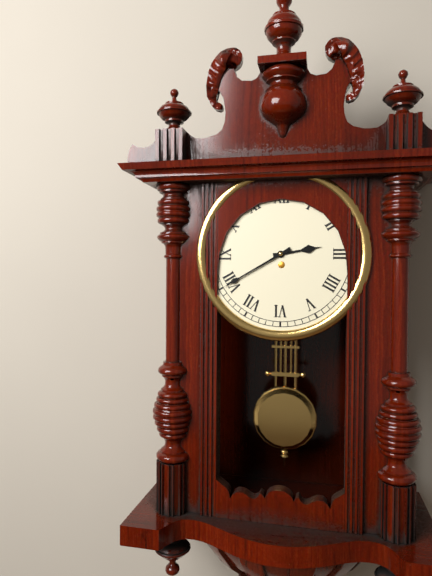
2:40
